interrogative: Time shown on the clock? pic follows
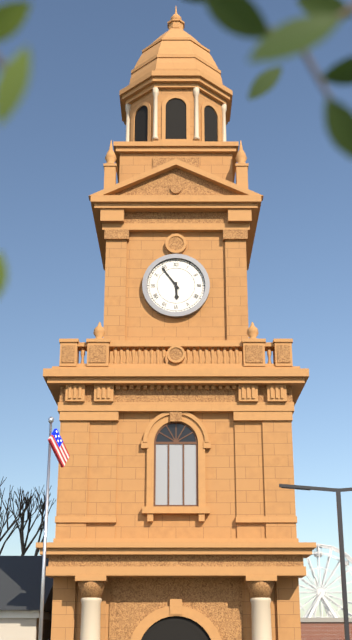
5:54
